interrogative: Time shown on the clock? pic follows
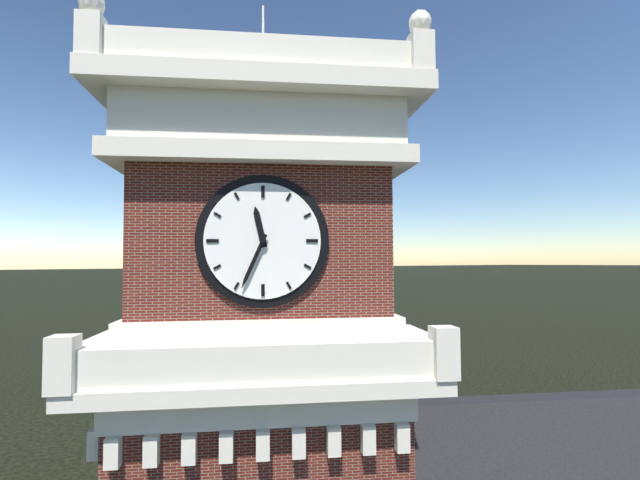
11:34
